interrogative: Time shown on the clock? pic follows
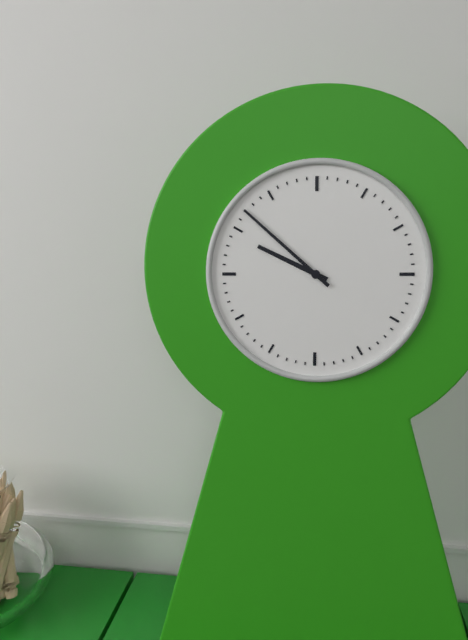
9:52
